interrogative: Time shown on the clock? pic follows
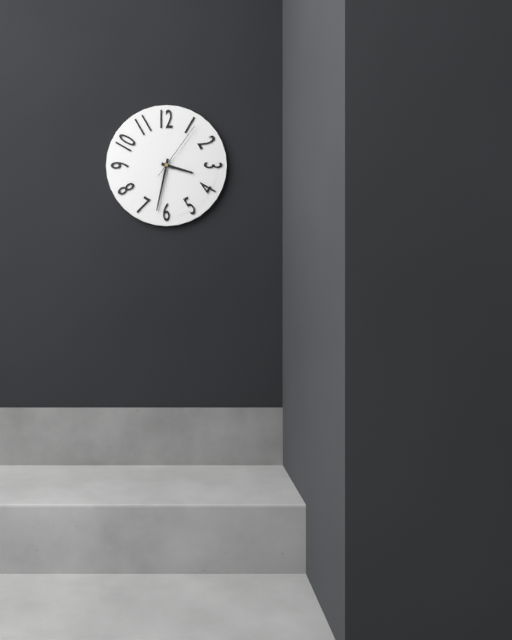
3:32:06
